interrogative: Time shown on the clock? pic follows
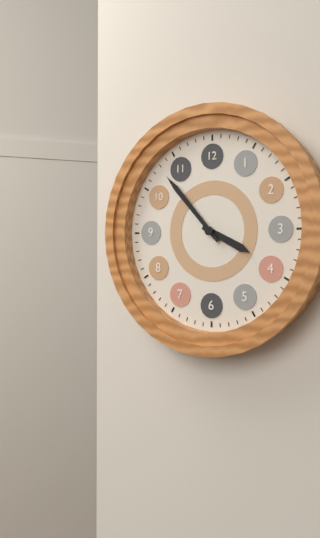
3:53
